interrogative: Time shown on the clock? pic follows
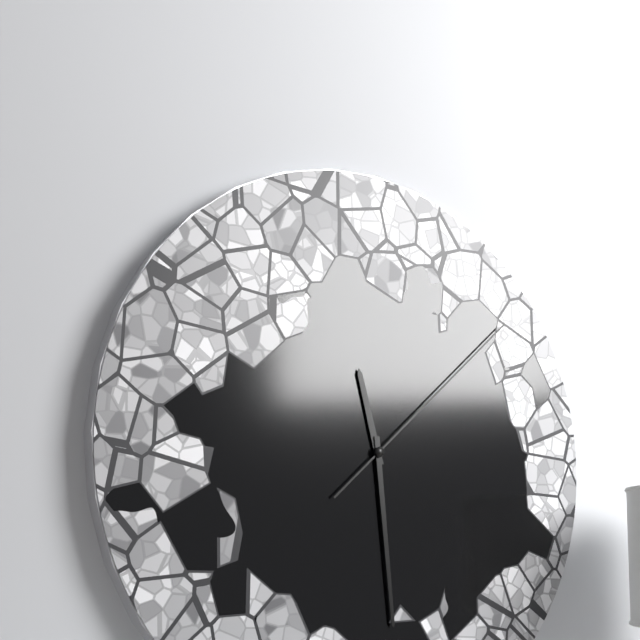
11:29:08
